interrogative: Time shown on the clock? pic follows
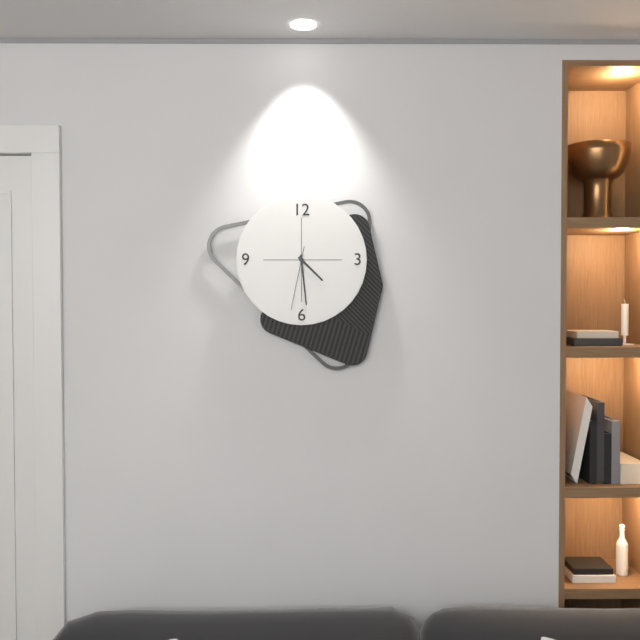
4:29:32
